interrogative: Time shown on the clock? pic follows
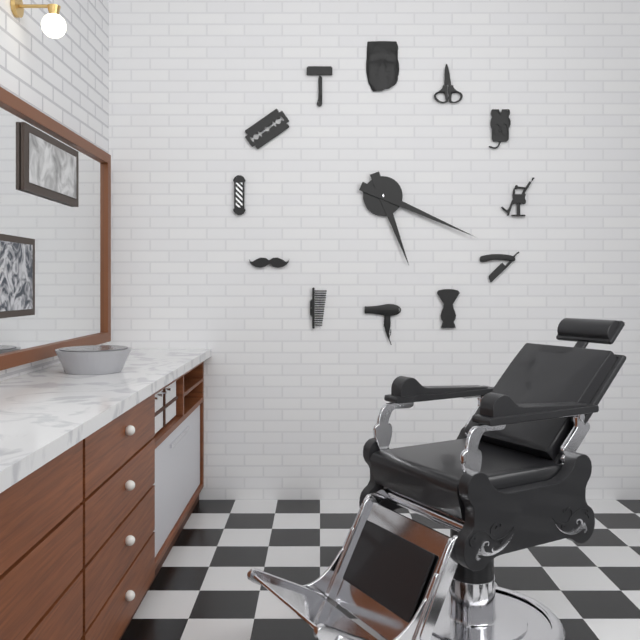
5:19
